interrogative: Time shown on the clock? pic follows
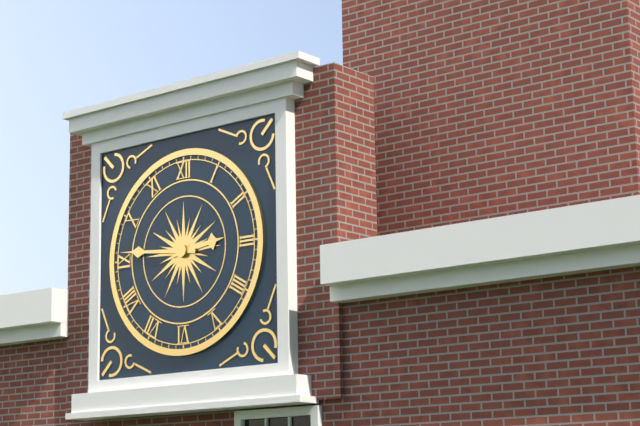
2:46
